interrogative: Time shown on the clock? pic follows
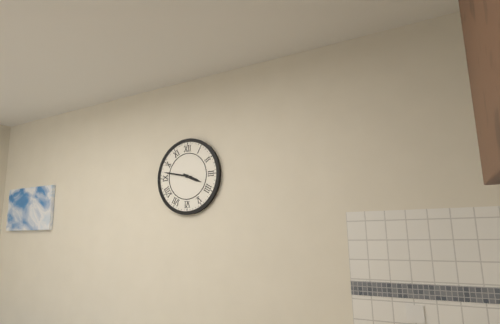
3:47
